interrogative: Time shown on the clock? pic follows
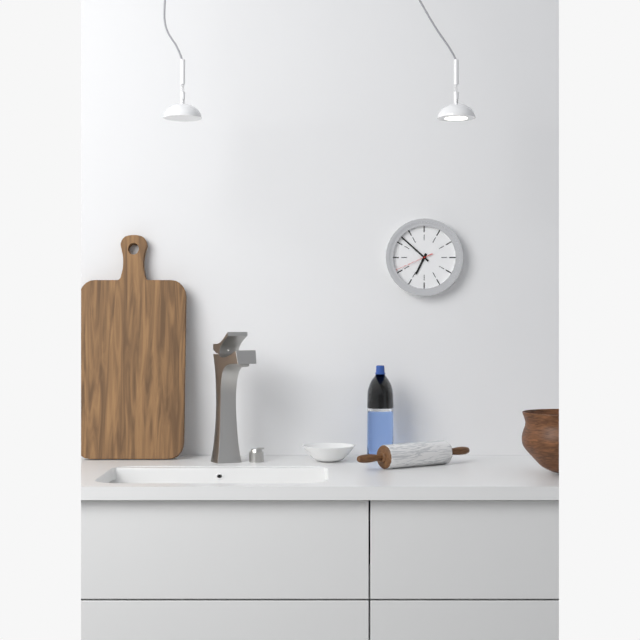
6:52
